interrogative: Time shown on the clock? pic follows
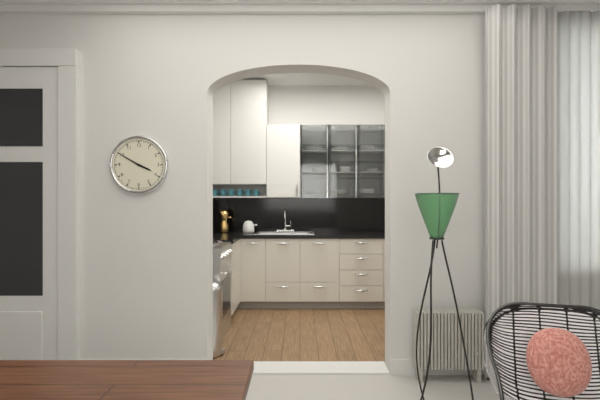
3:50
